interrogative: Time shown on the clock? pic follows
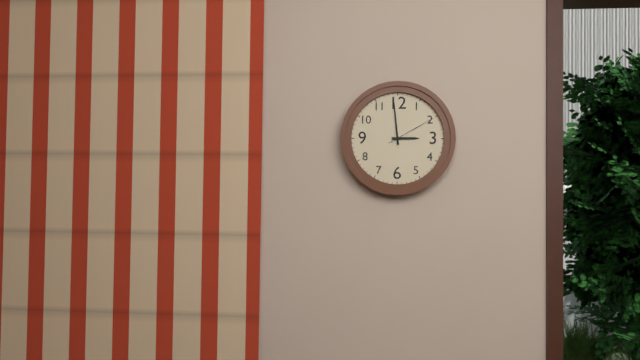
2:59:10
